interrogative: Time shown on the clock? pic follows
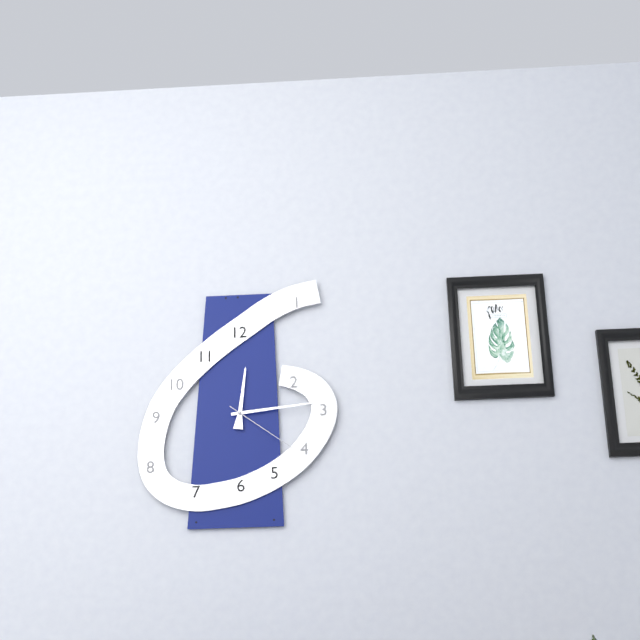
12:14:21
